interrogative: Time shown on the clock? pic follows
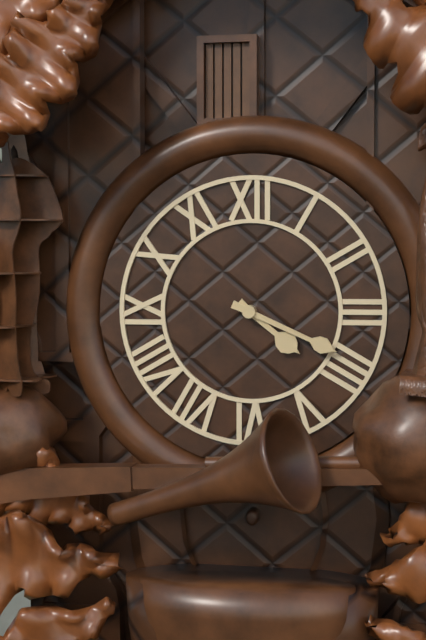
4:19
